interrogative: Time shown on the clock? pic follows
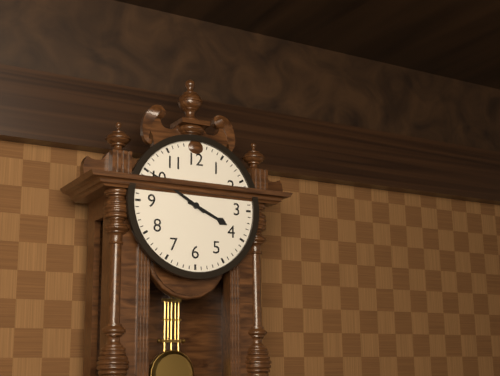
3:50
